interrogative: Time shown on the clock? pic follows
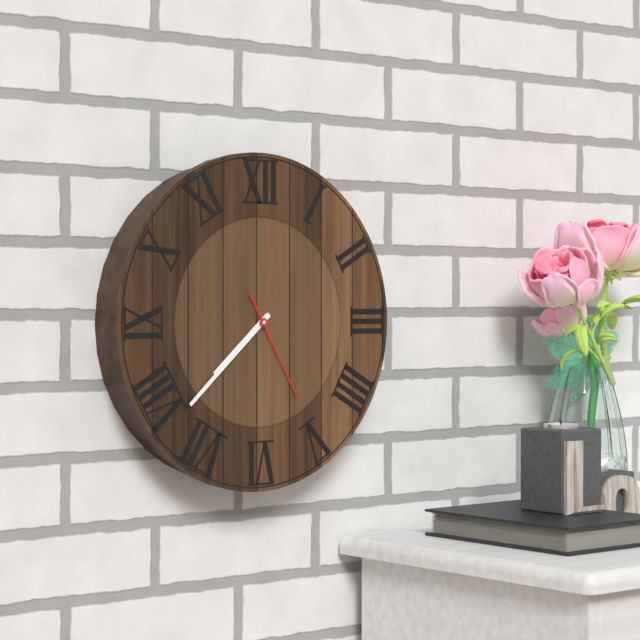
7:38:25
